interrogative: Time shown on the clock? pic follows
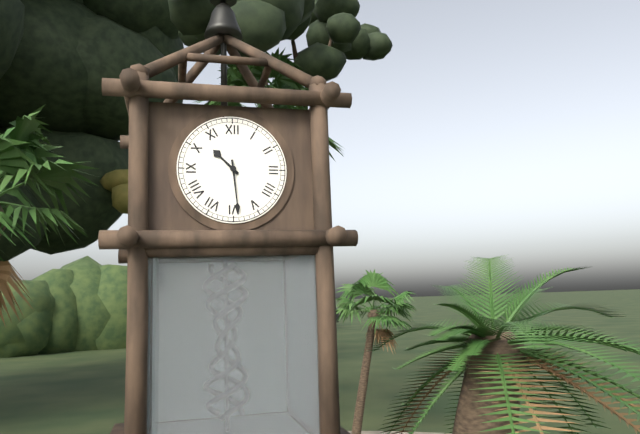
10:29
